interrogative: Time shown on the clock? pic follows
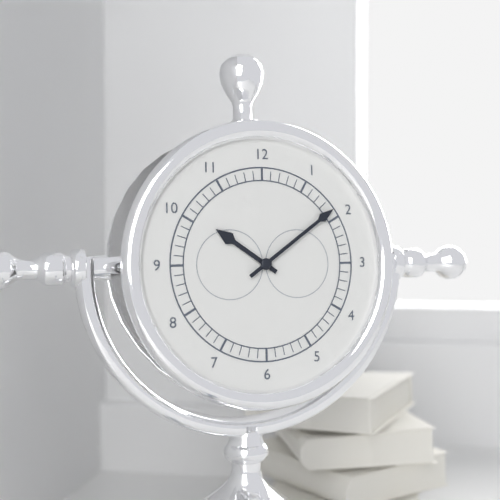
10:09
